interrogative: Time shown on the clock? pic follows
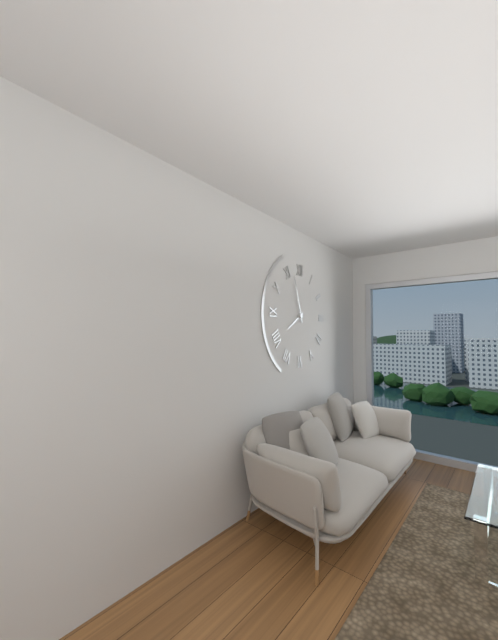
7:57
